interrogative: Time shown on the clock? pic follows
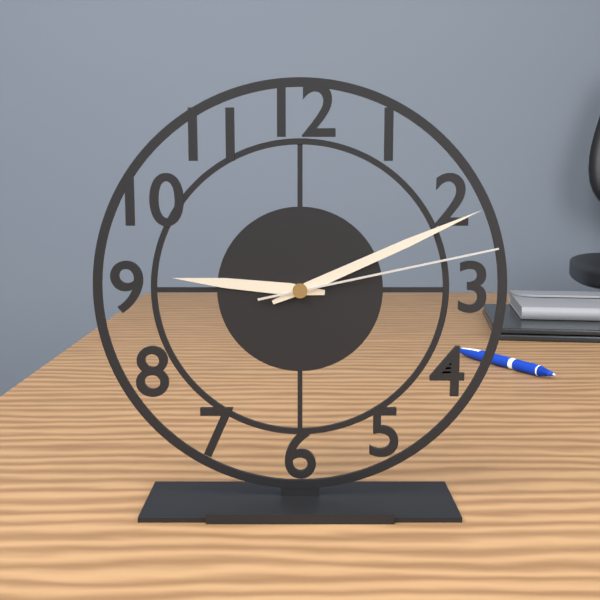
9:11:13
